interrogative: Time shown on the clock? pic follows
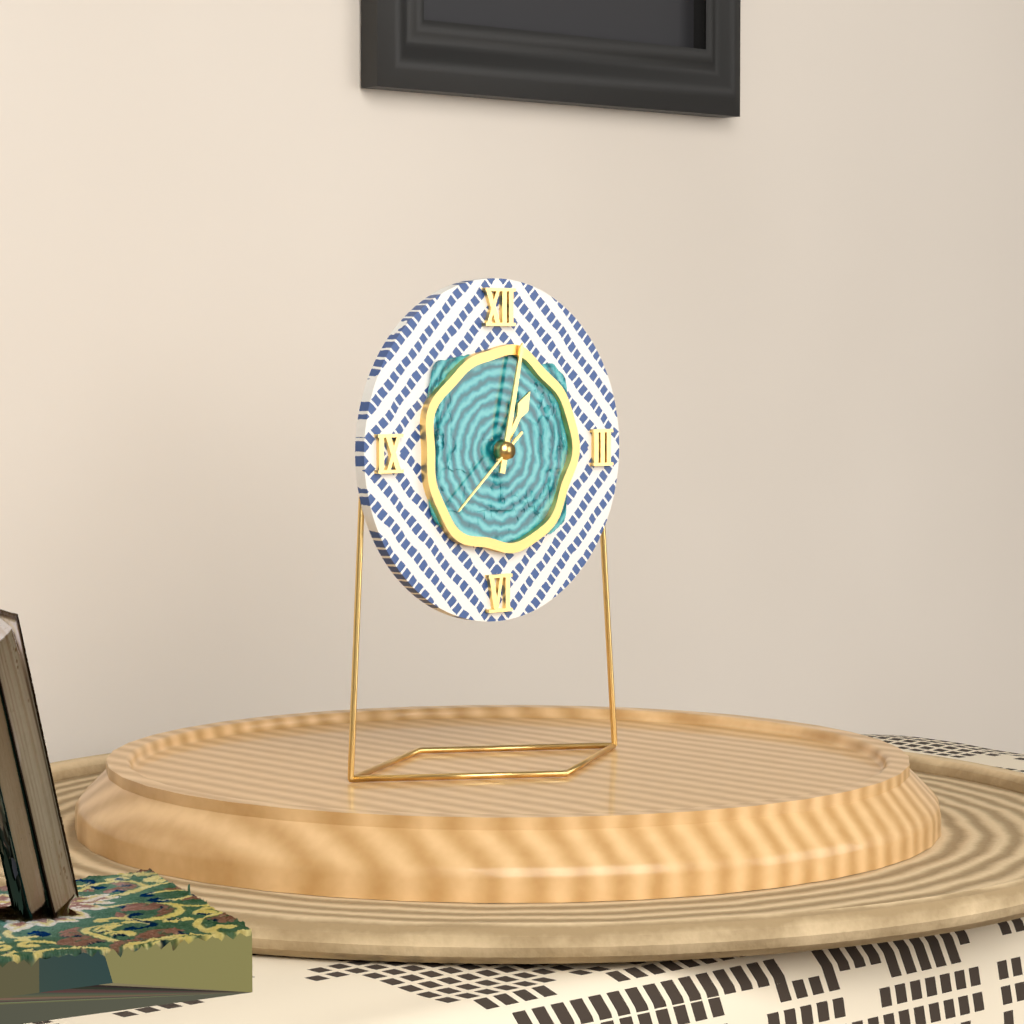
1:02:38
